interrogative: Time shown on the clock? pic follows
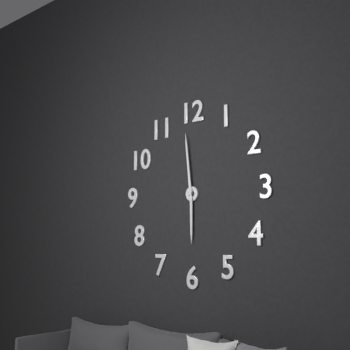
5:59
